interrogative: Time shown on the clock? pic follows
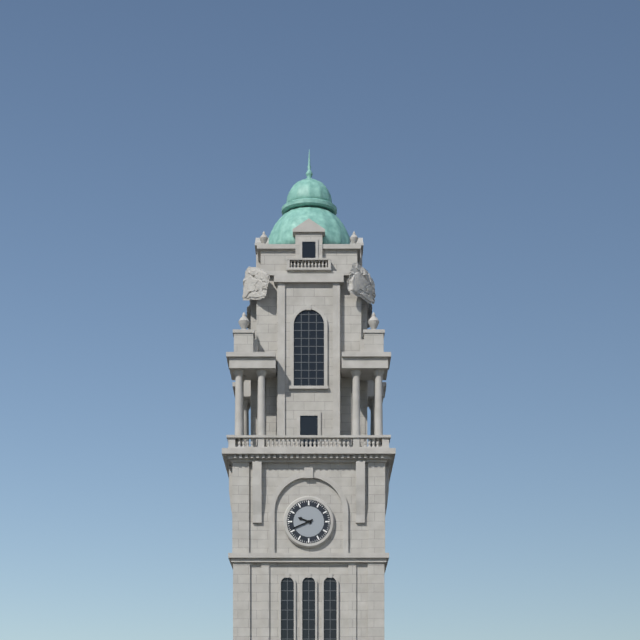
9:41
